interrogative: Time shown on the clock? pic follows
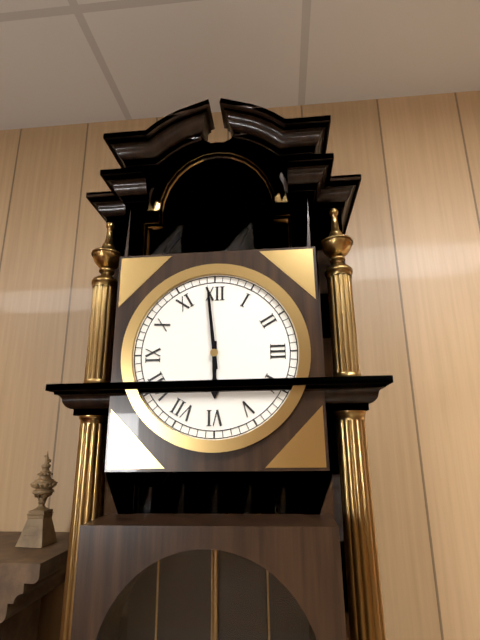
5:59
